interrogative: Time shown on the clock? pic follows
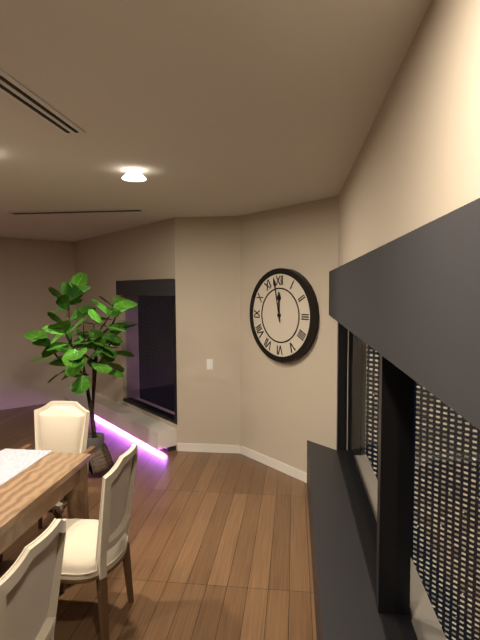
11:58
